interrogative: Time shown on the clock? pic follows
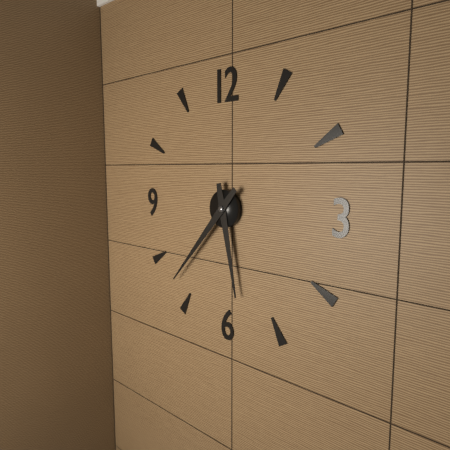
5:37
